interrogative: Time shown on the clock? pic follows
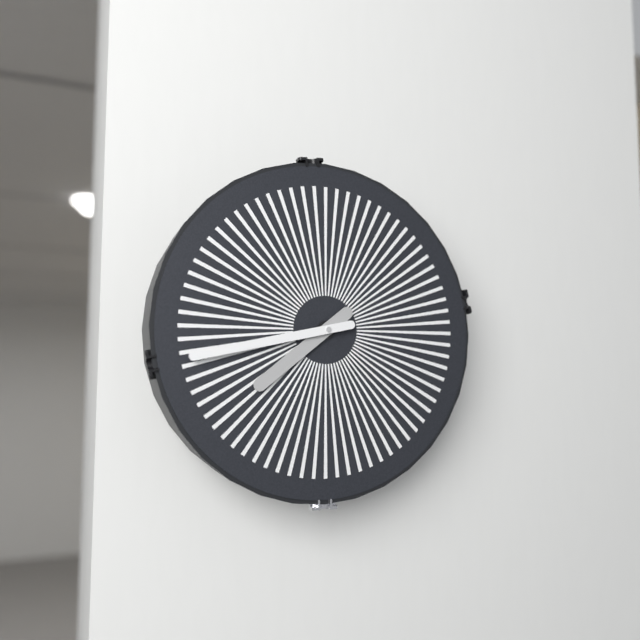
7:43
